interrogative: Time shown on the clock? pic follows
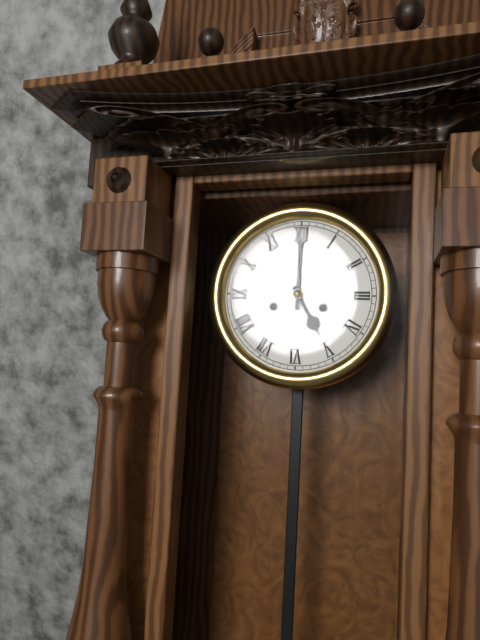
5:00
